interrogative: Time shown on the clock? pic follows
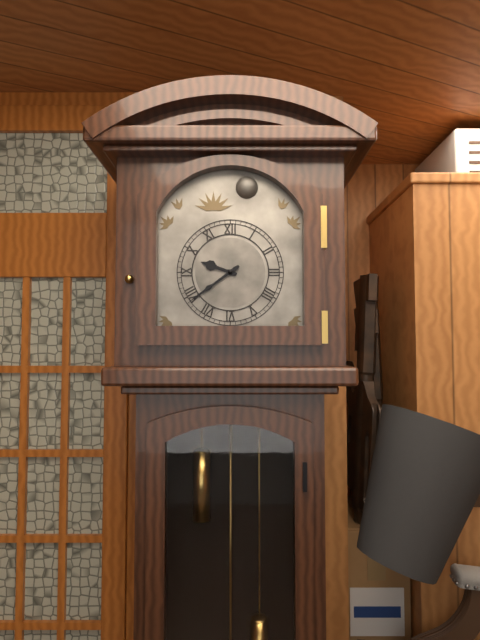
9:39
